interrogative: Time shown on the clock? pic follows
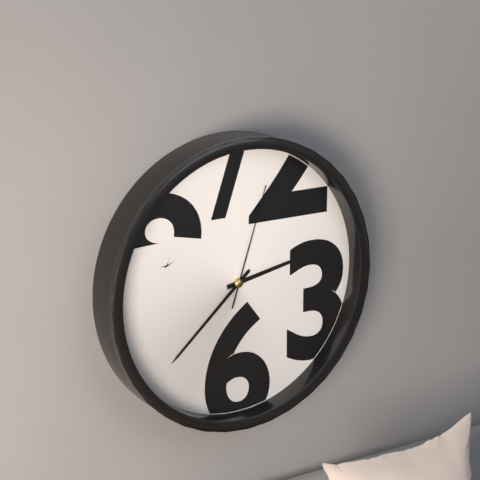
2:38:03
